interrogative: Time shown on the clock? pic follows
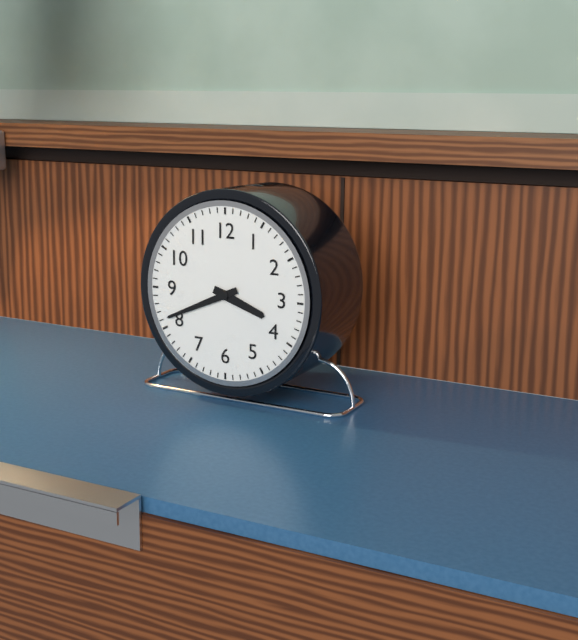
3:41
